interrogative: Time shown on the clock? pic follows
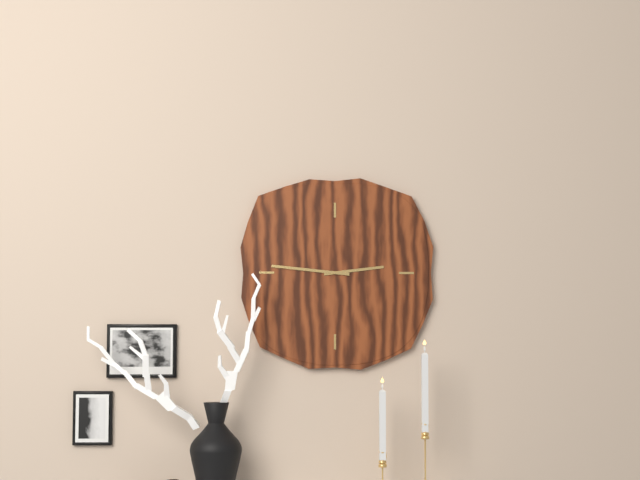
2:46
